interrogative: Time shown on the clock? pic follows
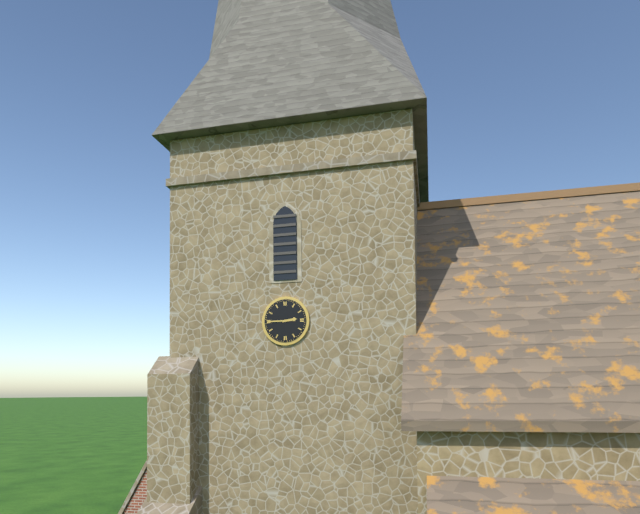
2:45
